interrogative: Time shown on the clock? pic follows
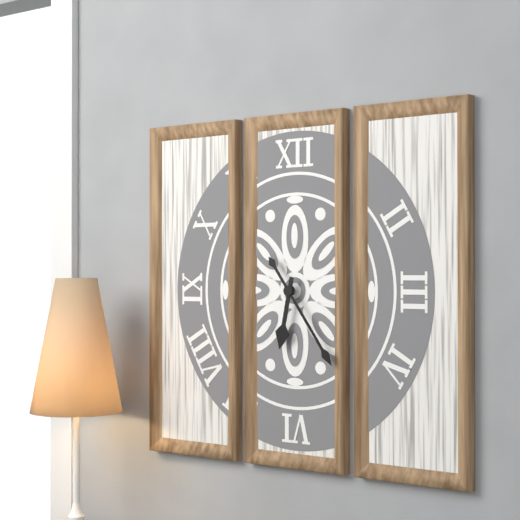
6:24
